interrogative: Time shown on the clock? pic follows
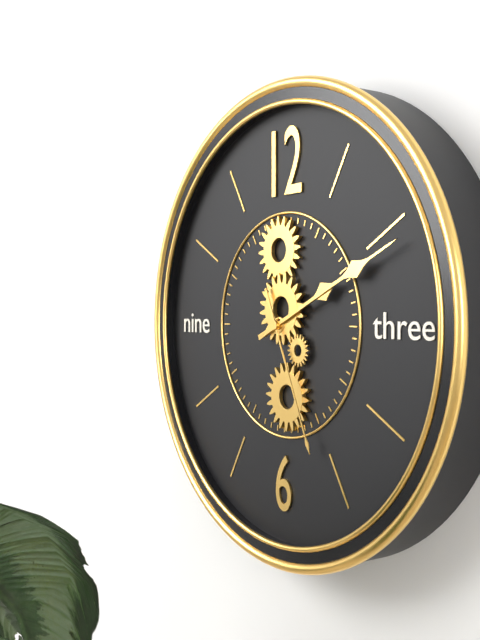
2:11:26
